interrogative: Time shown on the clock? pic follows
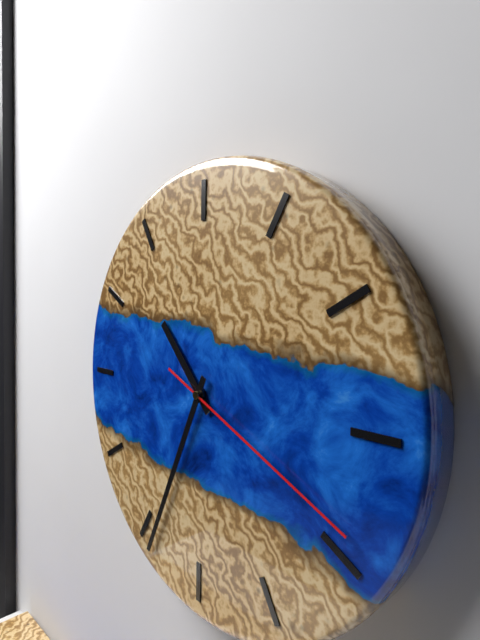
10:34:19
